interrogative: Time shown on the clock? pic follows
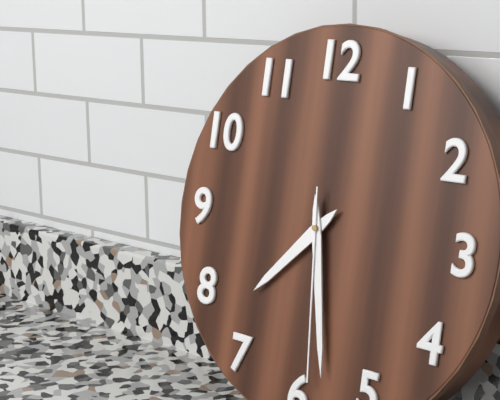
7:28:29
